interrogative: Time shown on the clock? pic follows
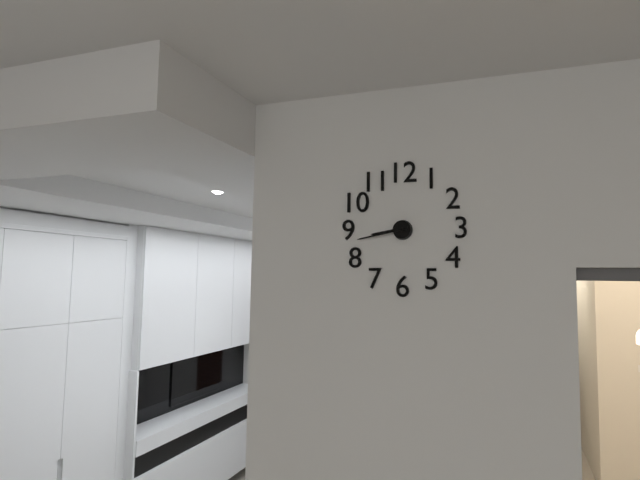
8:43
